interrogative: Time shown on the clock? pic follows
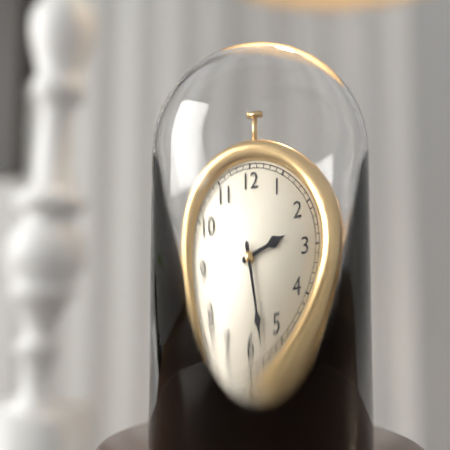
2:28
